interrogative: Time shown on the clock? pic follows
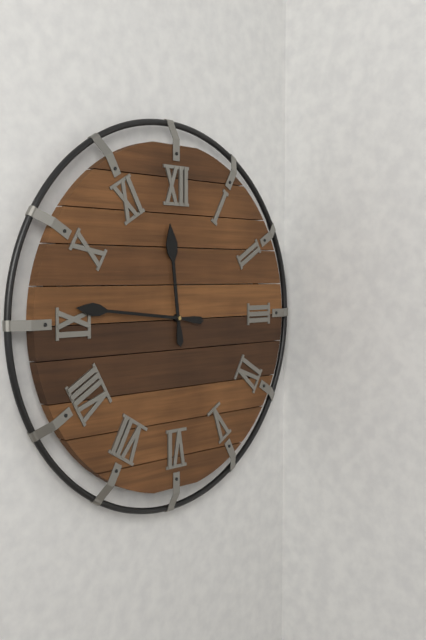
11:46
